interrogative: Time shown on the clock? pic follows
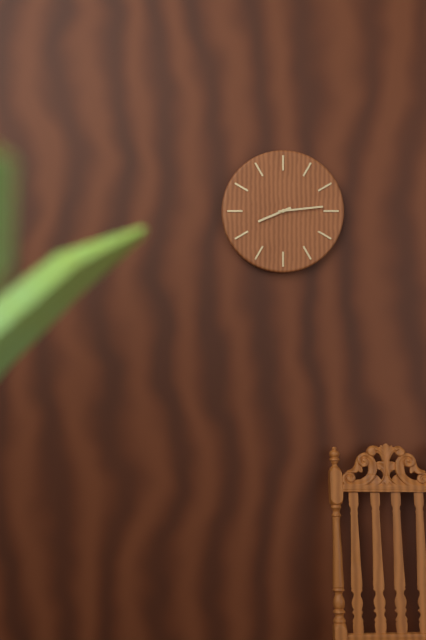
8:14
